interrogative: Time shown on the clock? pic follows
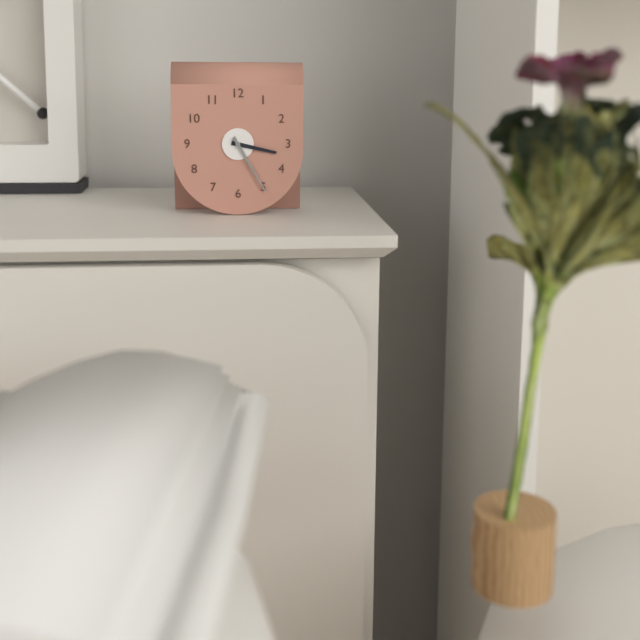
3:25
